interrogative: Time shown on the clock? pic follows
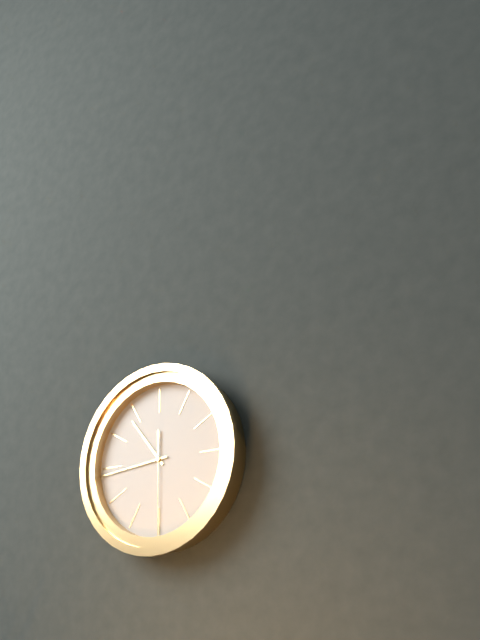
10:44:30
